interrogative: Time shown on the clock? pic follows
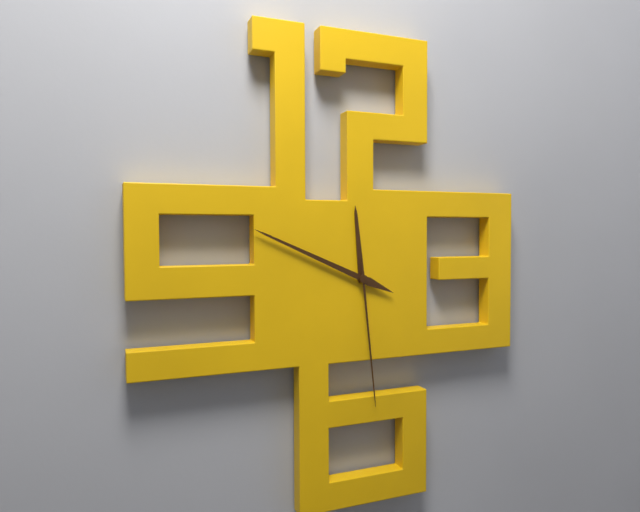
11:49:29
